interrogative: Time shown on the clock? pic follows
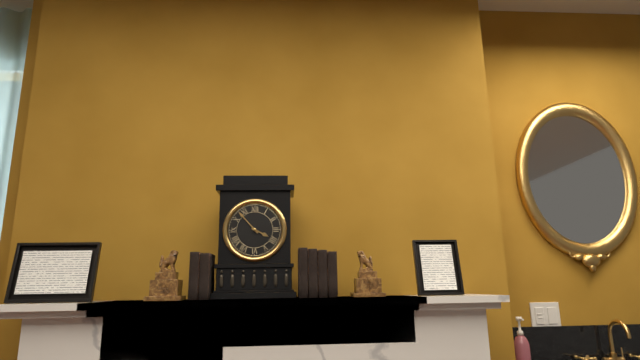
3:53
